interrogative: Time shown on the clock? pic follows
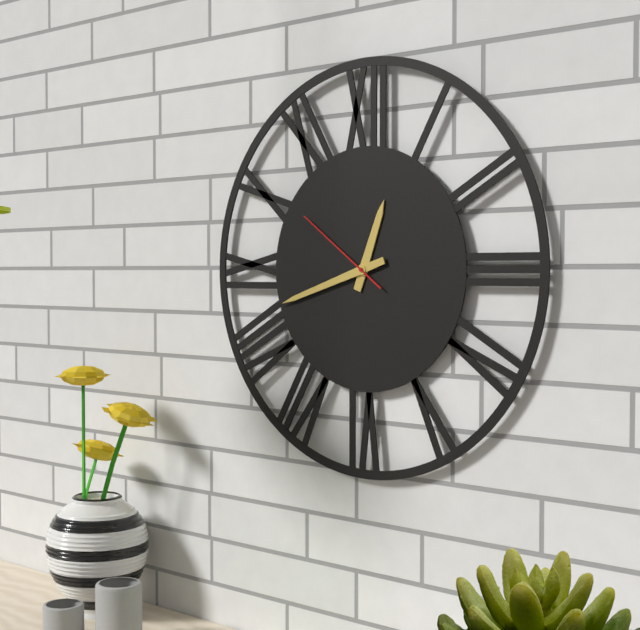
12:42:51
